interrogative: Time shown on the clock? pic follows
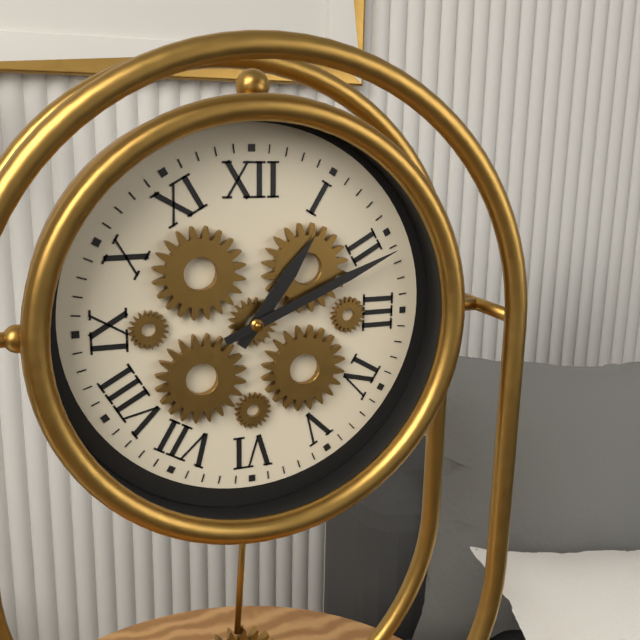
1:11
